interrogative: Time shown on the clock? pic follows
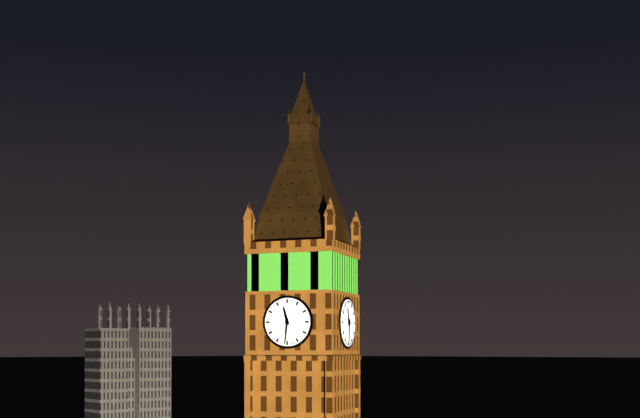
11:31
